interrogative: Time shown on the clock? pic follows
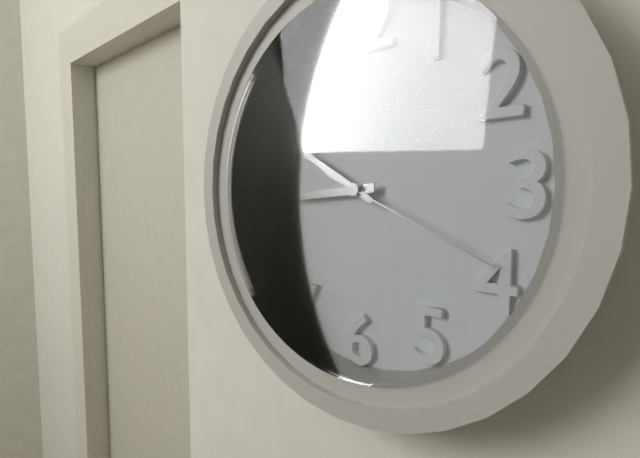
8:50:19
